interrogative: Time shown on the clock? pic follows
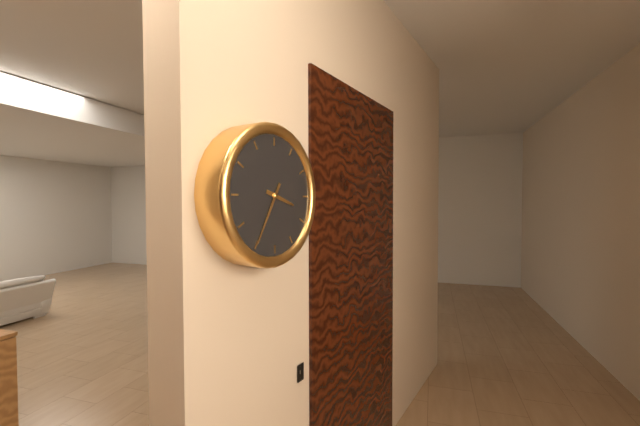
3:35
